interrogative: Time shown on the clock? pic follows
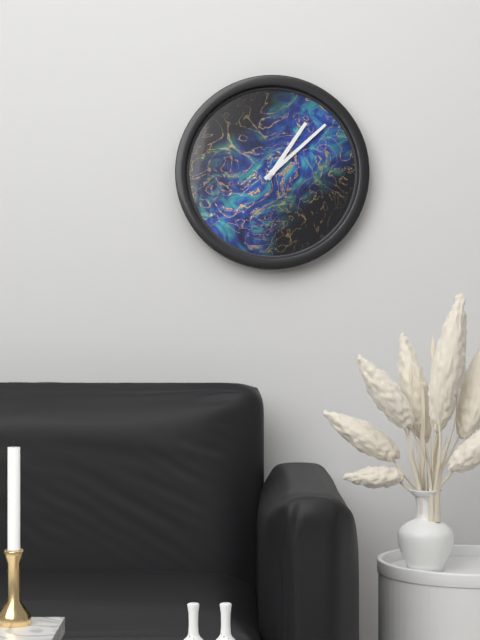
1:08
